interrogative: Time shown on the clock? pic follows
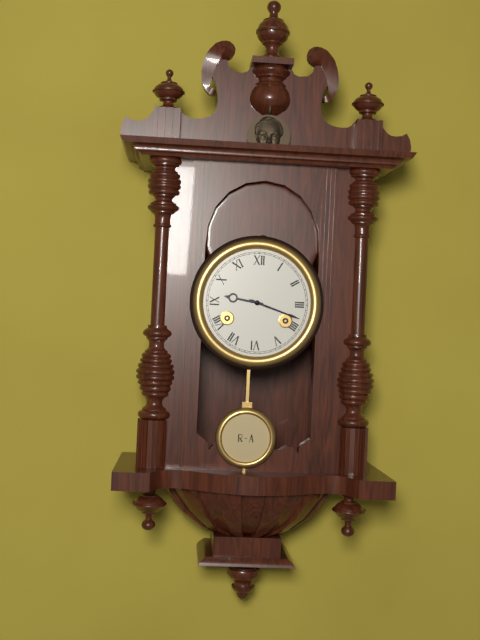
9:18
